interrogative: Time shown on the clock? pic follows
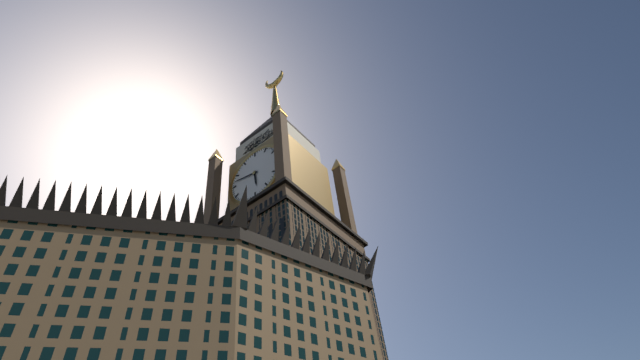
5:47
